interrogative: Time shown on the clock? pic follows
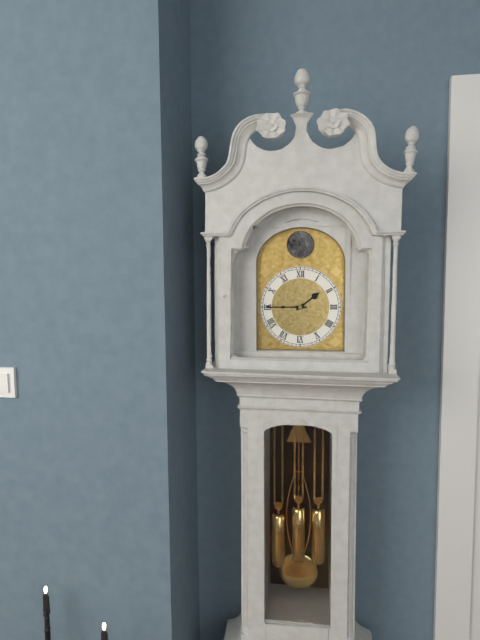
1:45
